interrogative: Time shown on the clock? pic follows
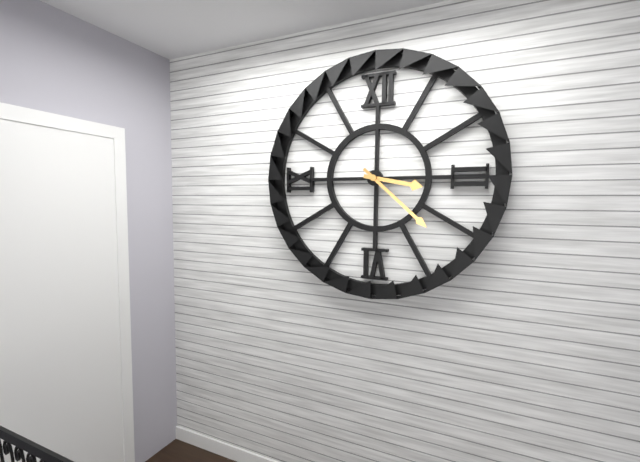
3:22
